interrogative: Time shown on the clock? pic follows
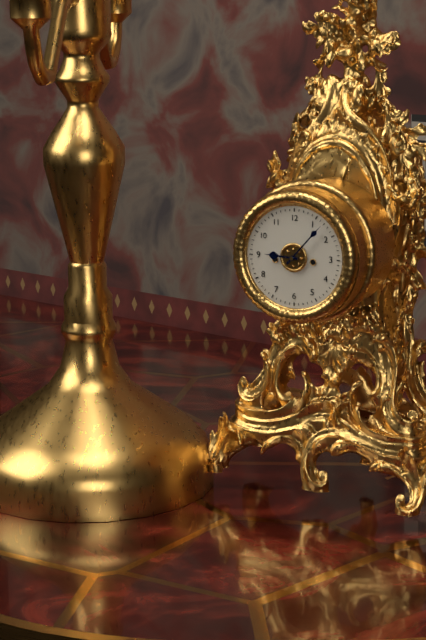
9:07
